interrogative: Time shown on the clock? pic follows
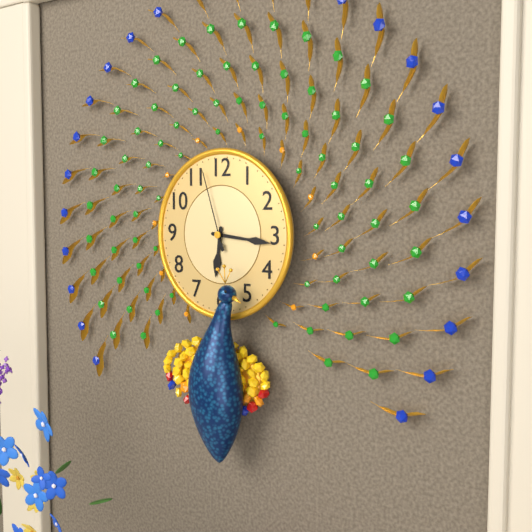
6:16:57
